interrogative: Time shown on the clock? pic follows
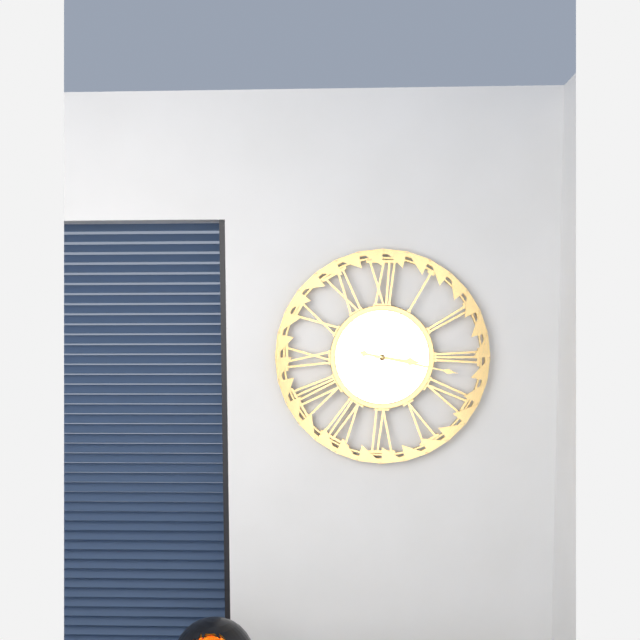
3:17
